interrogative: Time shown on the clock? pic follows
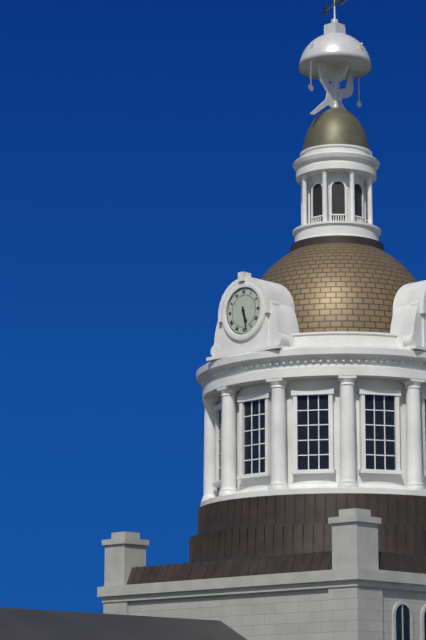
5:28
